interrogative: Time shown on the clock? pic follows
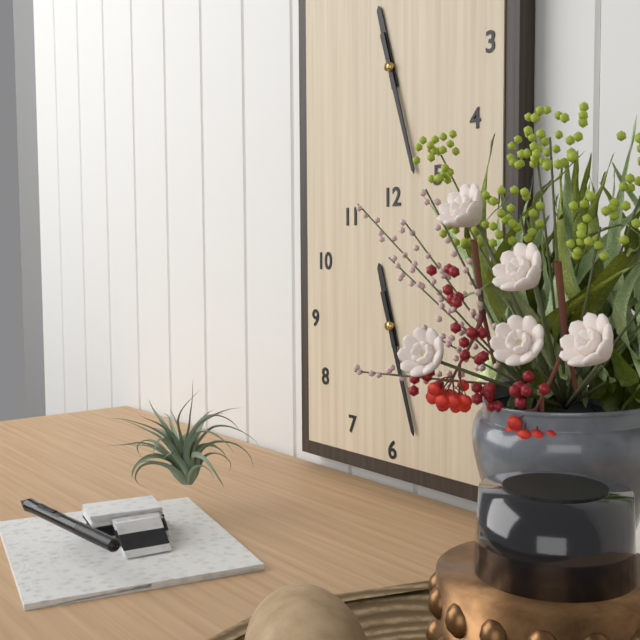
11:27
